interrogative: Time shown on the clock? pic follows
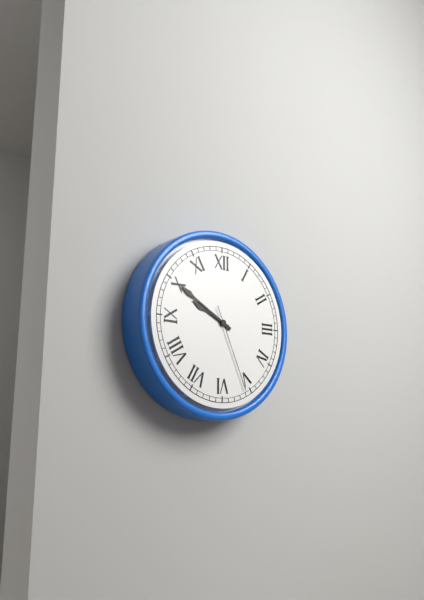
9:50:26
